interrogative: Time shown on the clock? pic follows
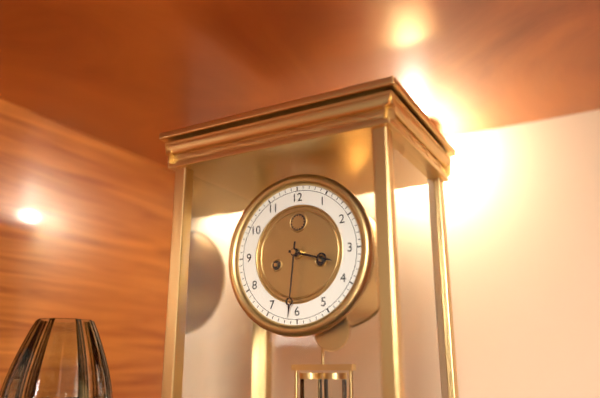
3:31
